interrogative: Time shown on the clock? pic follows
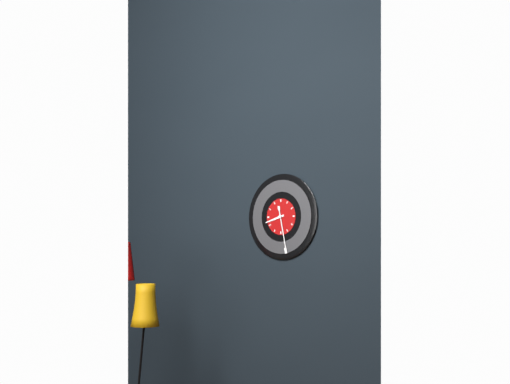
8:28
